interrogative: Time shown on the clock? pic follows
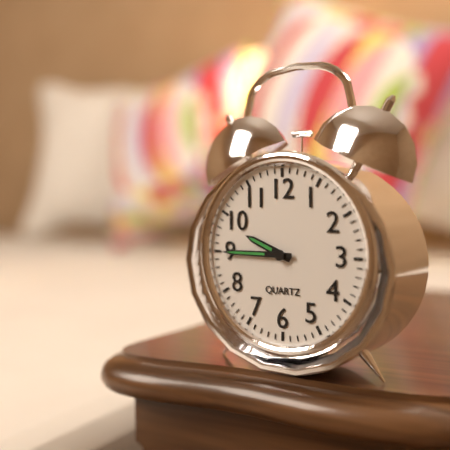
9:45
